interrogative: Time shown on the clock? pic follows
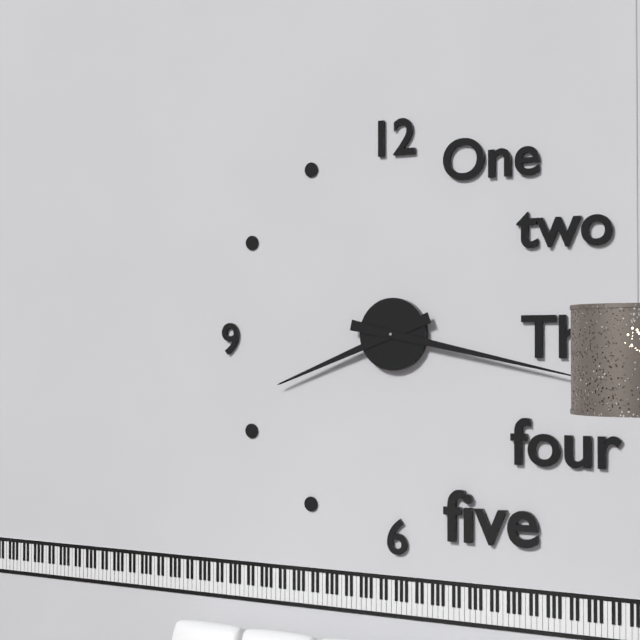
8:17
